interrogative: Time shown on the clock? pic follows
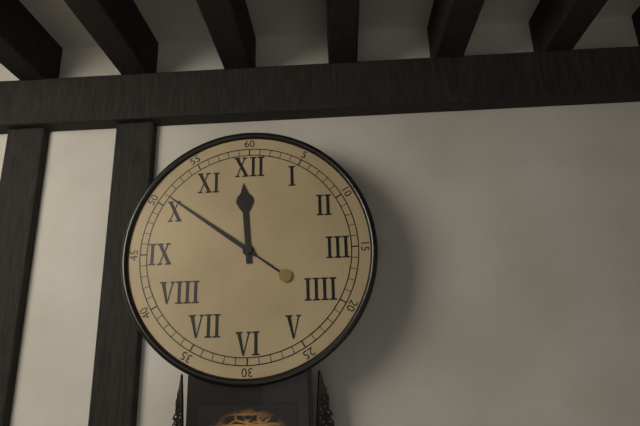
11:51
